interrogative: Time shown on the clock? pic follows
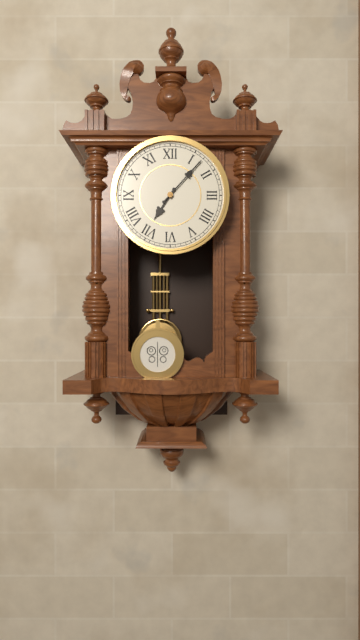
7:07
